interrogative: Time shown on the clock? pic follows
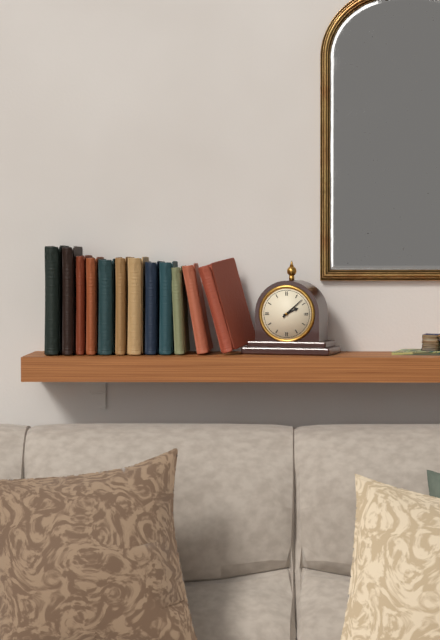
2:08
